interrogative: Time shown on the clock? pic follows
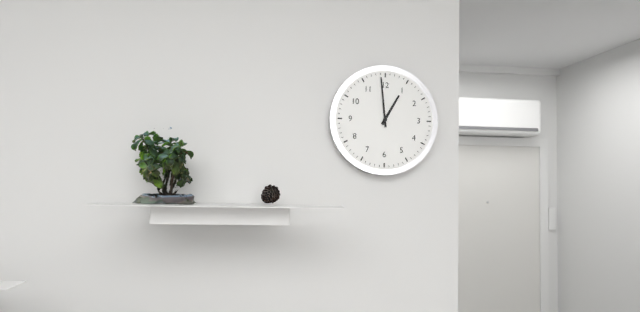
12:59
